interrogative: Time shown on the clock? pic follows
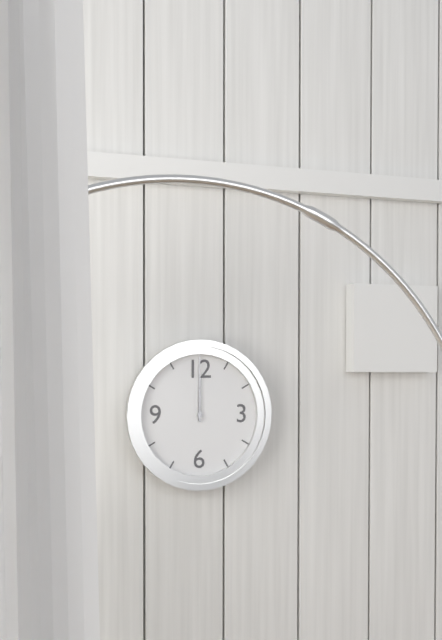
12:00
